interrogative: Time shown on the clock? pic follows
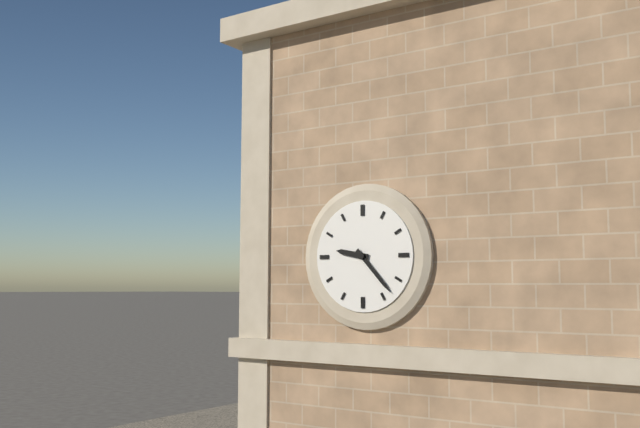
9:23
